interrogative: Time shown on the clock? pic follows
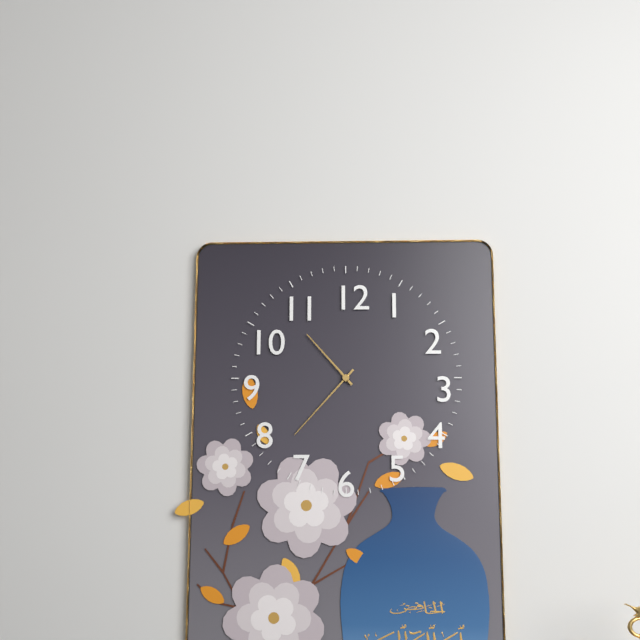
10:37
